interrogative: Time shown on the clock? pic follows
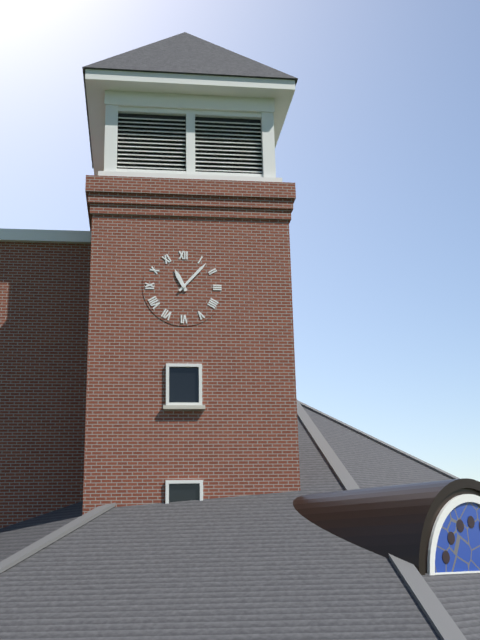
11:07
